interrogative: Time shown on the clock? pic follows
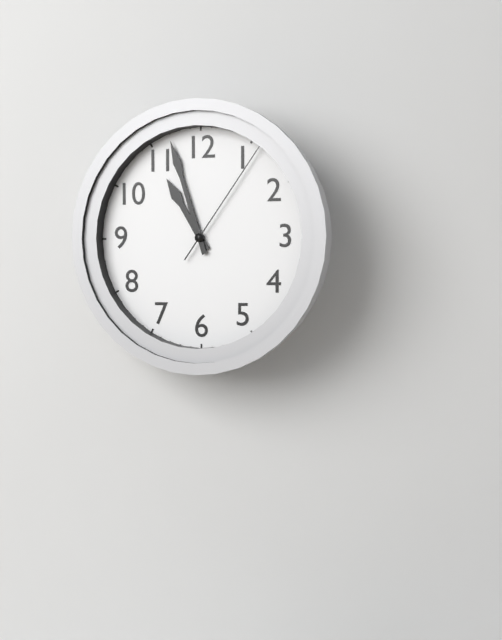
10:57:06
